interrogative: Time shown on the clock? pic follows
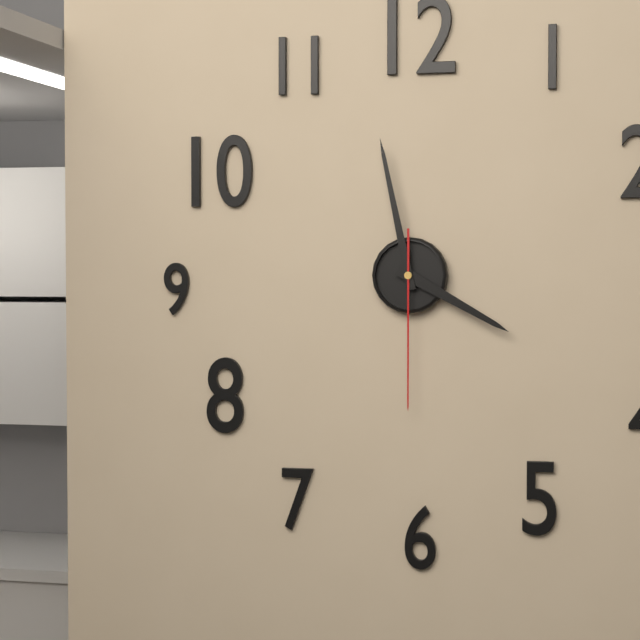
3:58:30
